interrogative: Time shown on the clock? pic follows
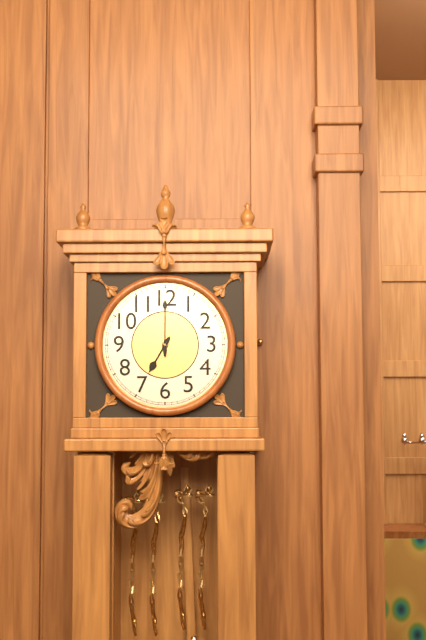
7:00
